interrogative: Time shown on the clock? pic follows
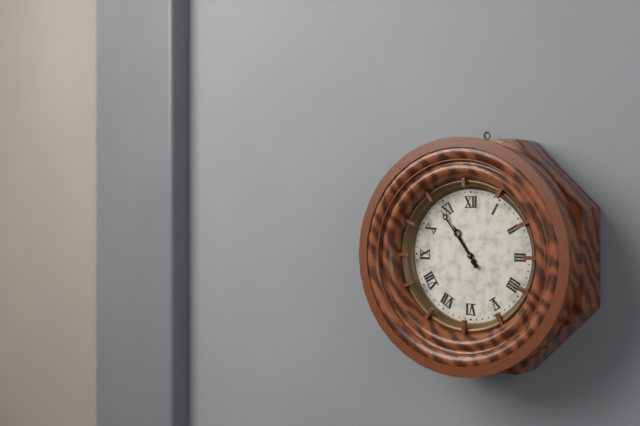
10:54
